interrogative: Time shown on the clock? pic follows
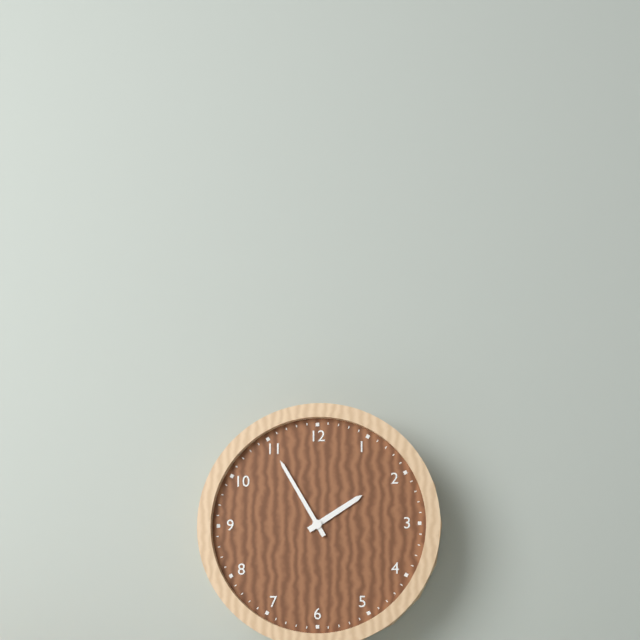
1:55
